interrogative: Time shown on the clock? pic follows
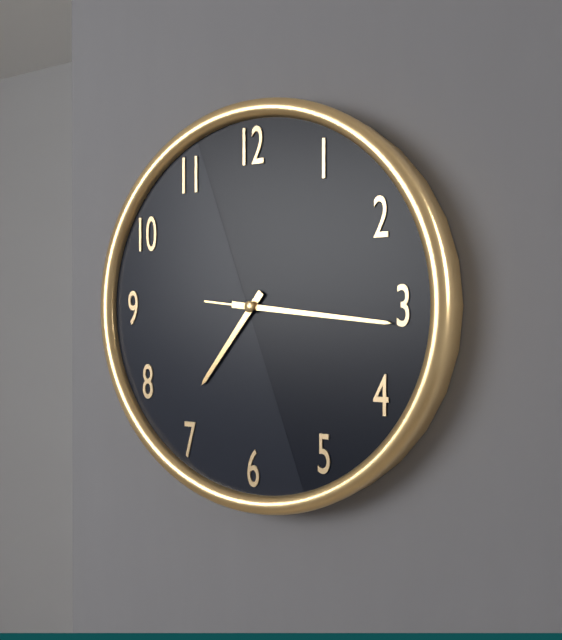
7:16:16
